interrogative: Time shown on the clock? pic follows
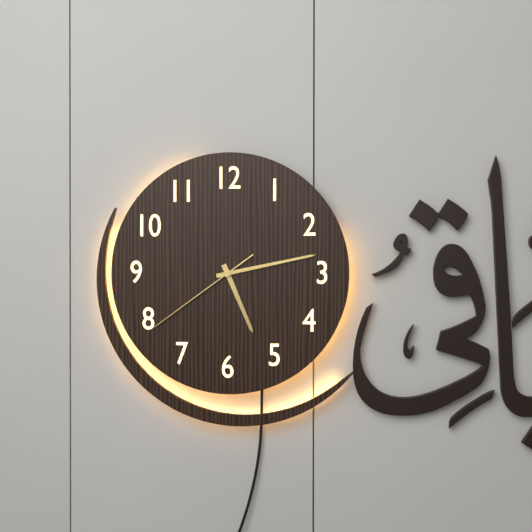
5:13:39
